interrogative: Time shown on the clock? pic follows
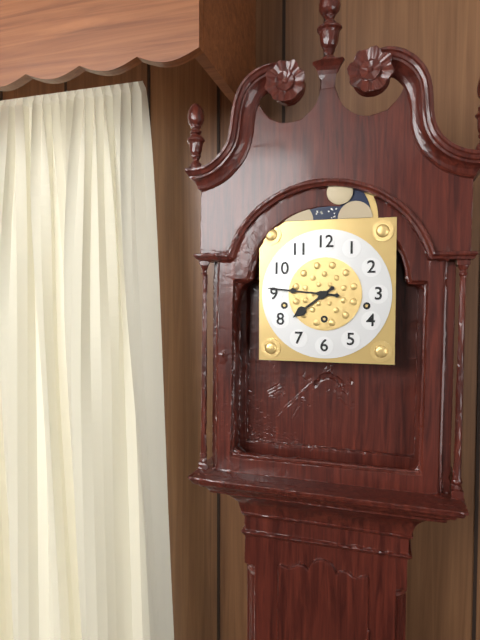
7:46
